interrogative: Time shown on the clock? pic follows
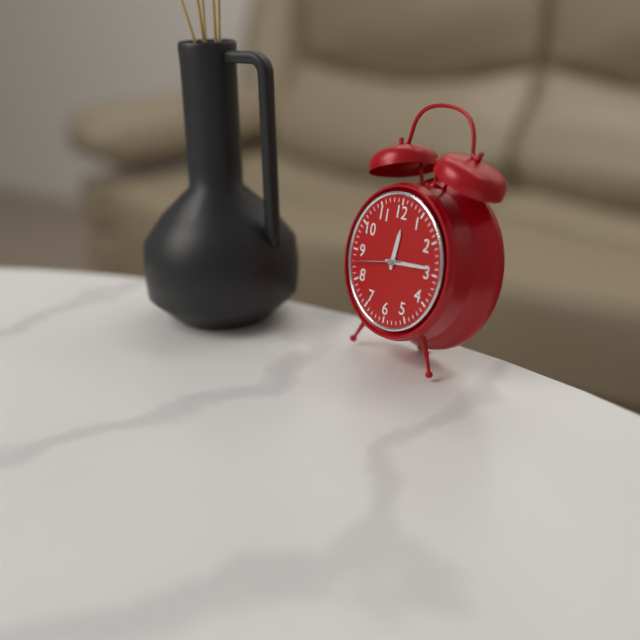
12:14:43
